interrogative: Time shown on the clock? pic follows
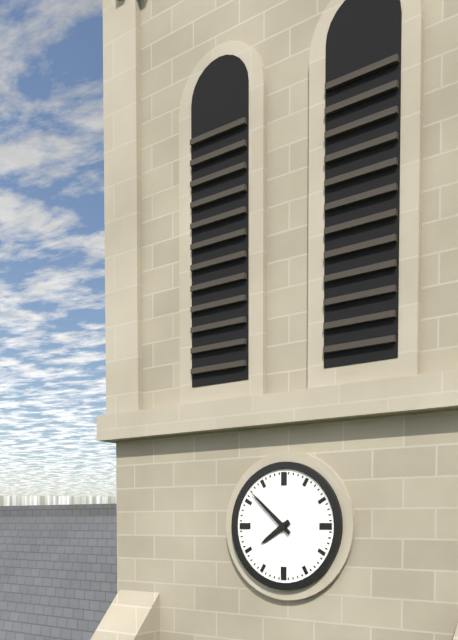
7:52
